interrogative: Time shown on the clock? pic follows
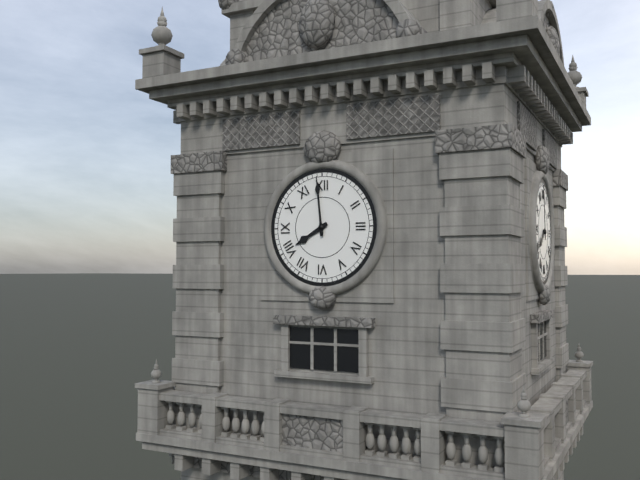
7:59
